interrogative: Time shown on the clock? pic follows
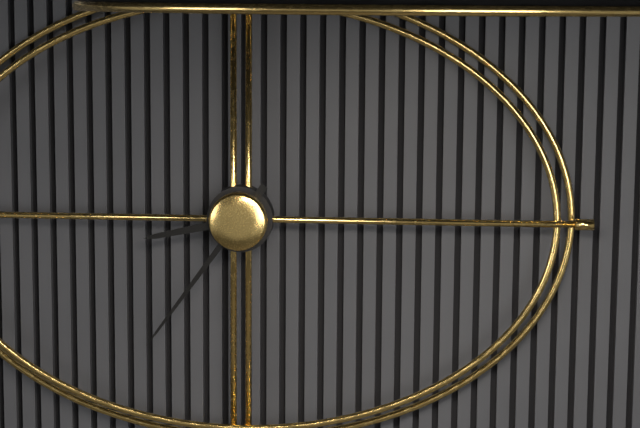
8:36
